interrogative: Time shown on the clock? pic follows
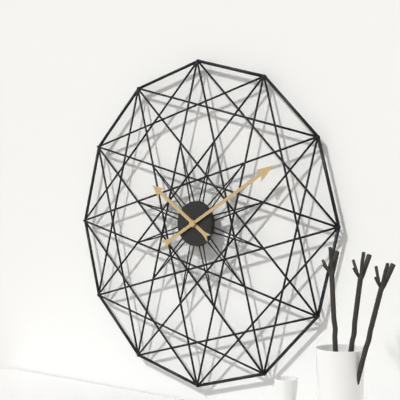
10:10
